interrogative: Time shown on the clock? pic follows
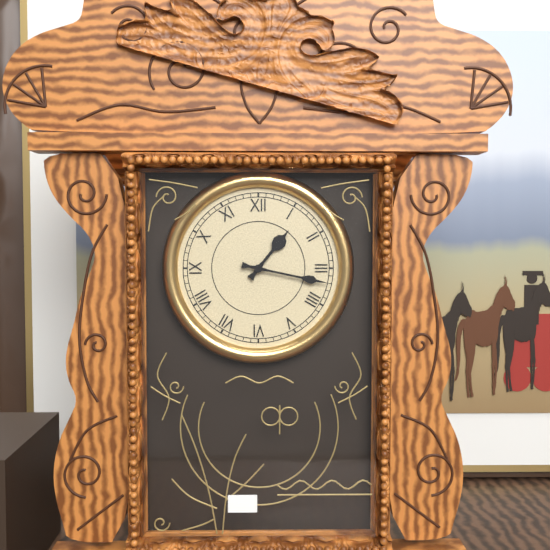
1:17
